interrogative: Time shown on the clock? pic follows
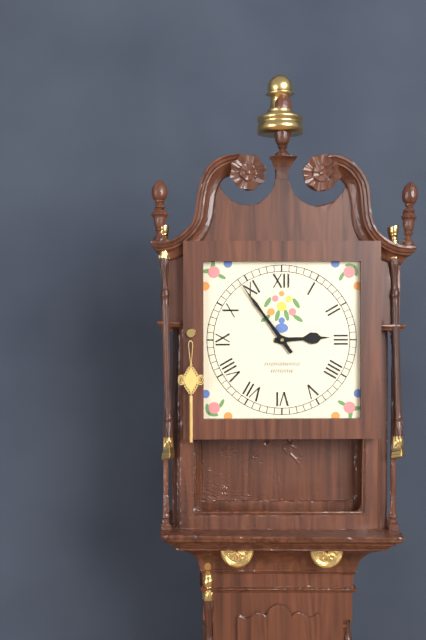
2:54
